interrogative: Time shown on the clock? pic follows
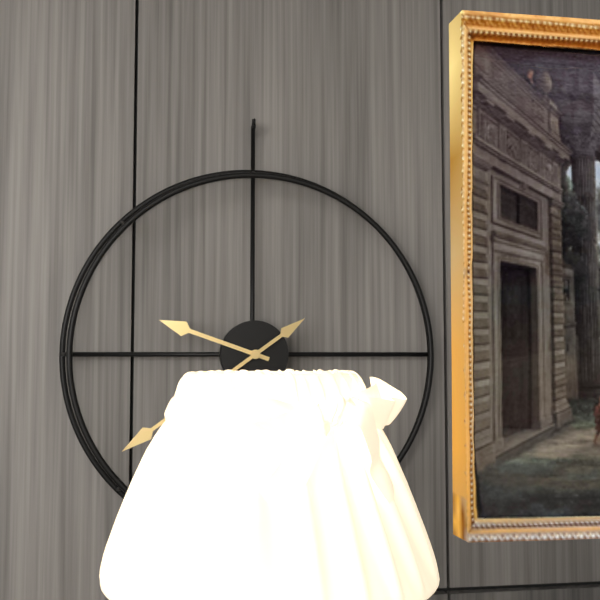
9:39
